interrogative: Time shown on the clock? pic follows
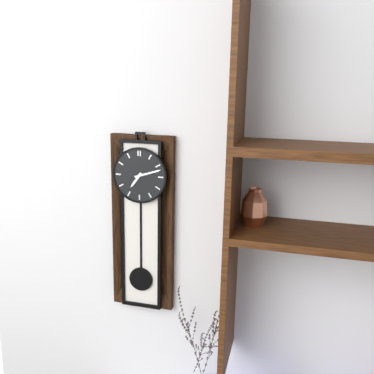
7:12
